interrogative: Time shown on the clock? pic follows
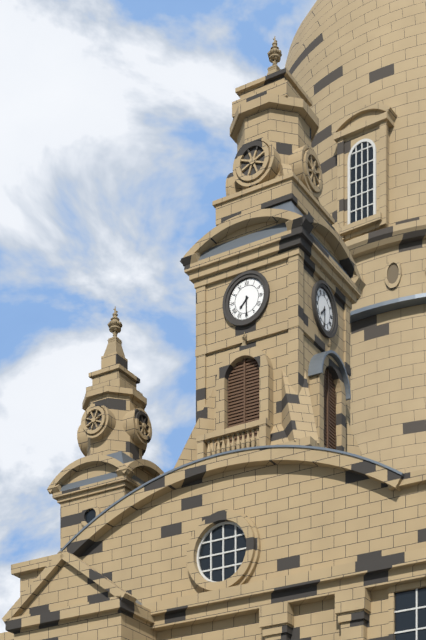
7:30
